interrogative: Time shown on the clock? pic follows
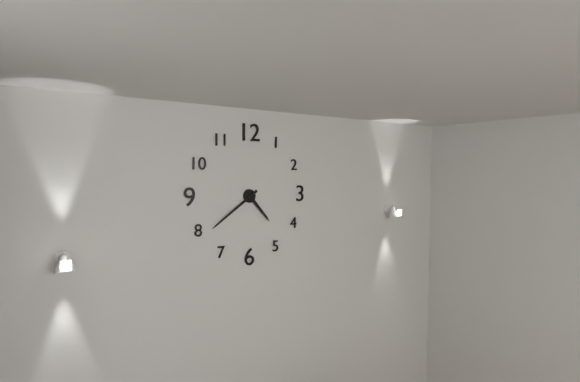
4:39
